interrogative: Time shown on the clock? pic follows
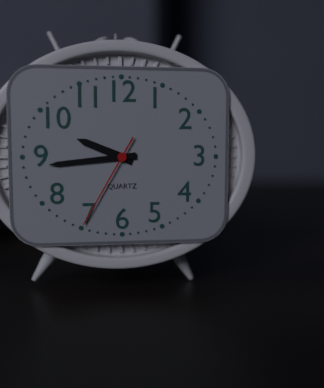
9:44:35
